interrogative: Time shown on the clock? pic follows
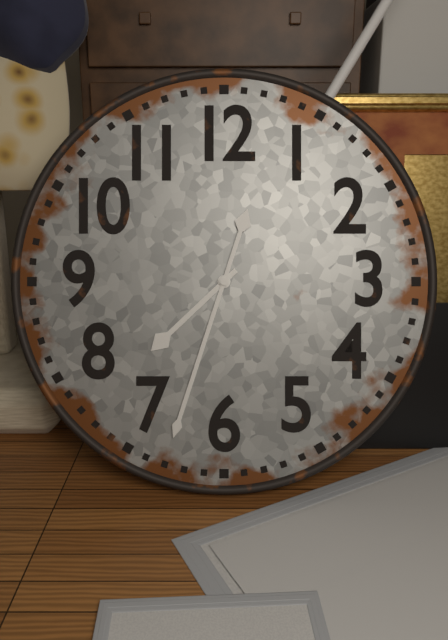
7:33
